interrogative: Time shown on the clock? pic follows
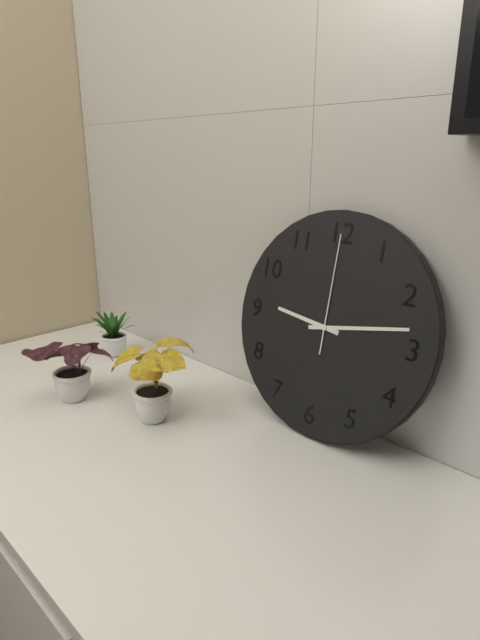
9:13:00
